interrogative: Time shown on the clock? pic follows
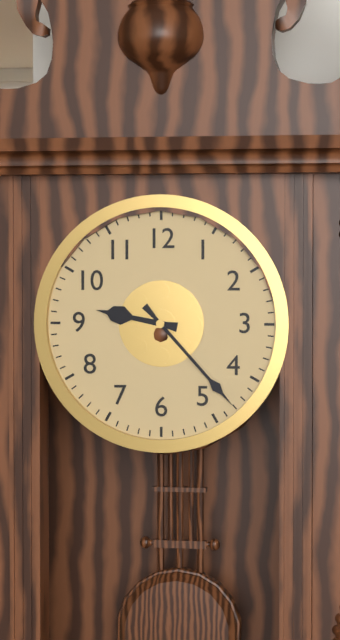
9:23
